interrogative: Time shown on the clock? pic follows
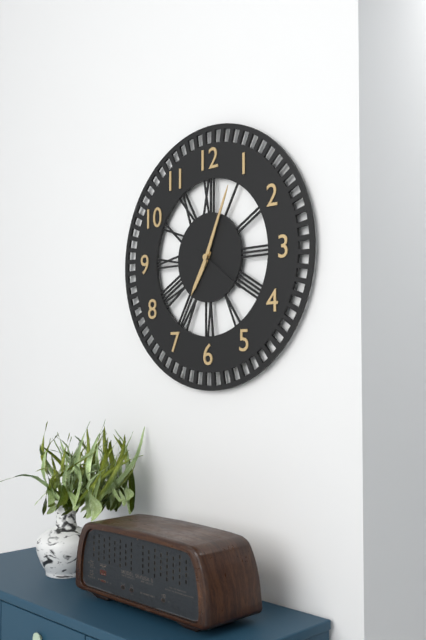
7:04:21
